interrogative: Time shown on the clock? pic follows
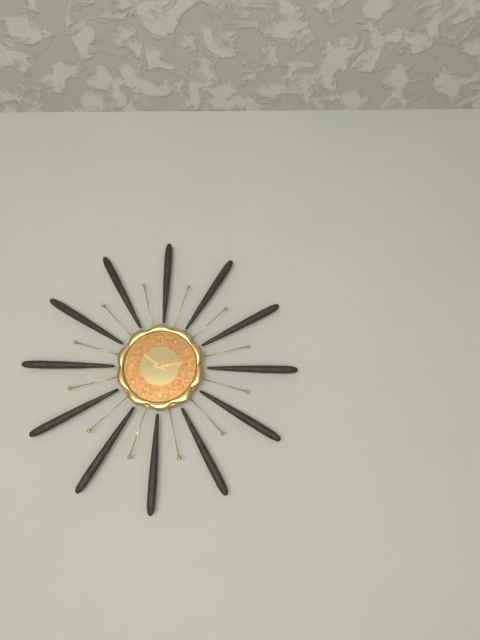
10:14
